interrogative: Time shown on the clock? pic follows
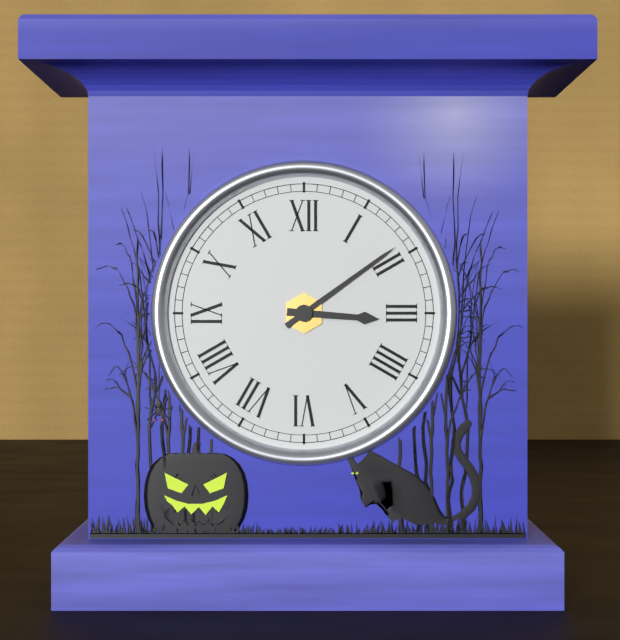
3:09
